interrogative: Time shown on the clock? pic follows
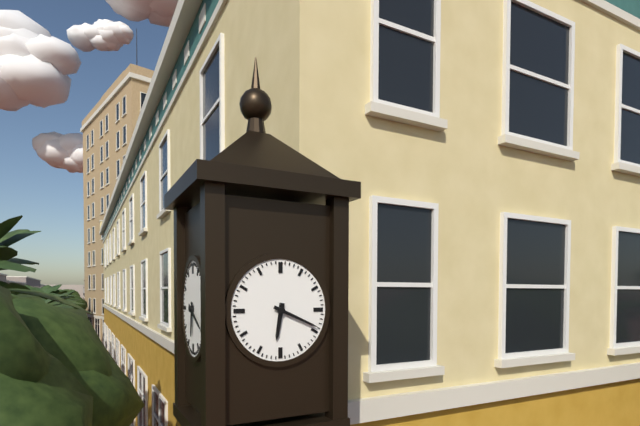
6:19
